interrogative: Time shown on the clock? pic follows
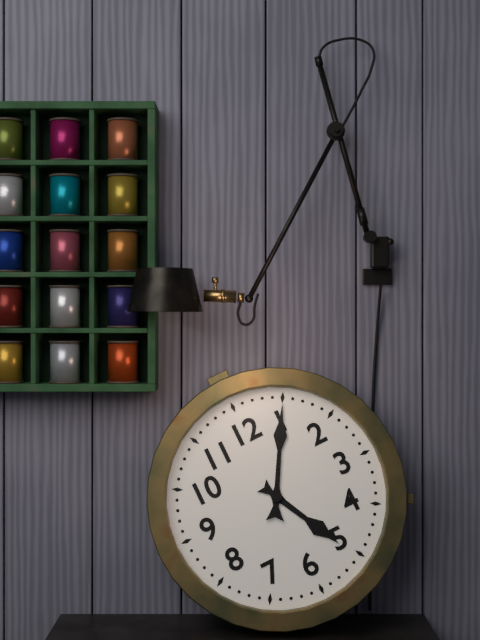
5:05
